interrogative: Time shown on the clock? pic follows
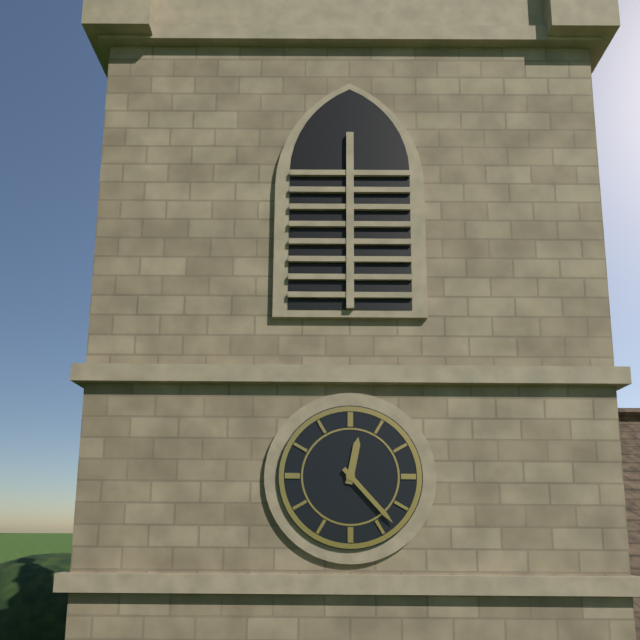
12:23
